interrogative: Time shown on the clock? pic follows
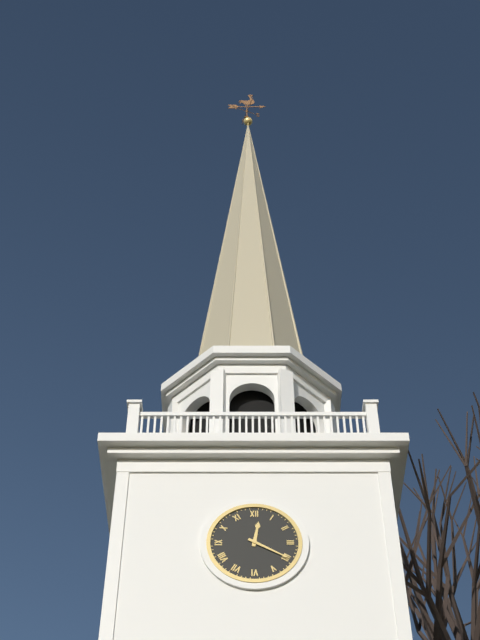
12:20
